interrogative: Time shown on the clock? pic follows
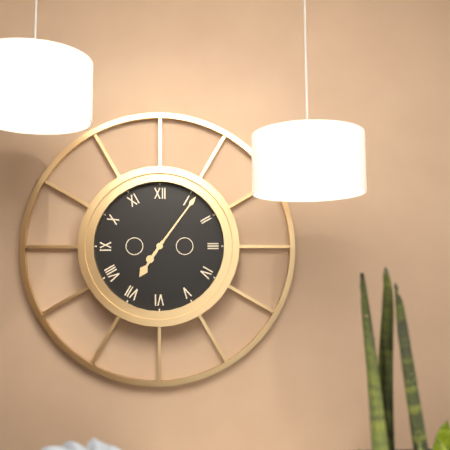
7:06
